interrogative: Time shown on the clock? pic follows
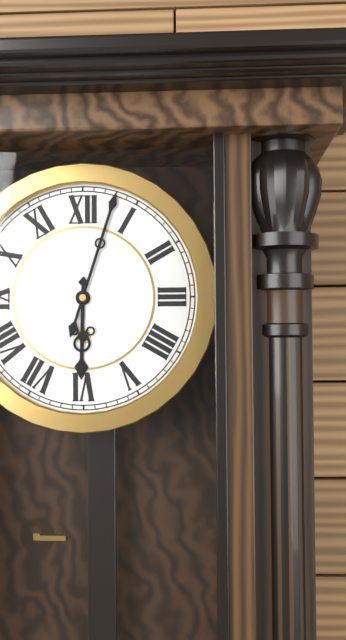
6:03
